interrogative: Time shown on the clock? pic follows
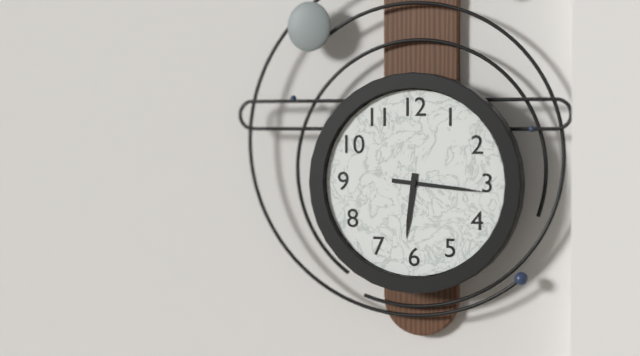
6:16
